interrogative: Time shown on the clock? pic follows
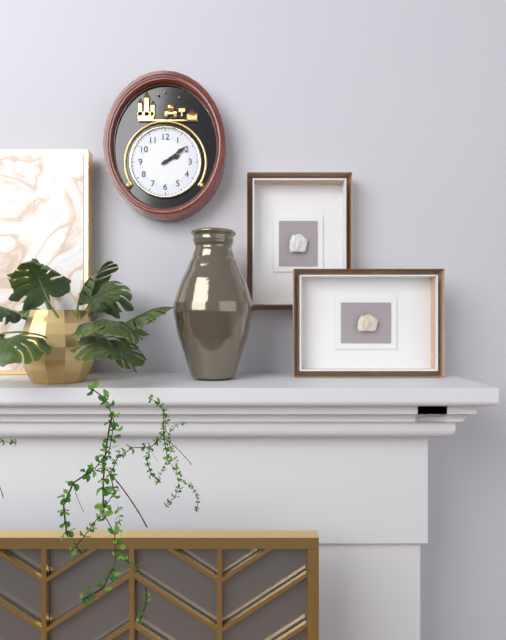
2:09
